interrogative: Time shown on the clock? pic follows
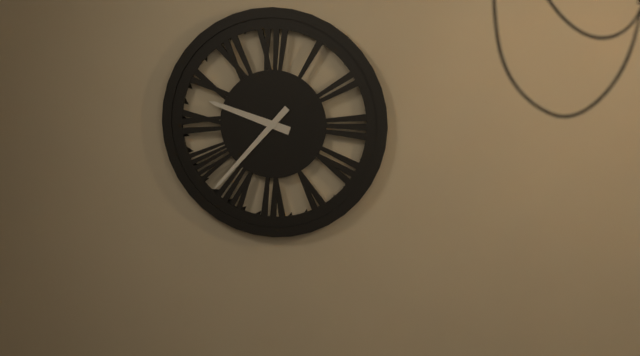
9:37
